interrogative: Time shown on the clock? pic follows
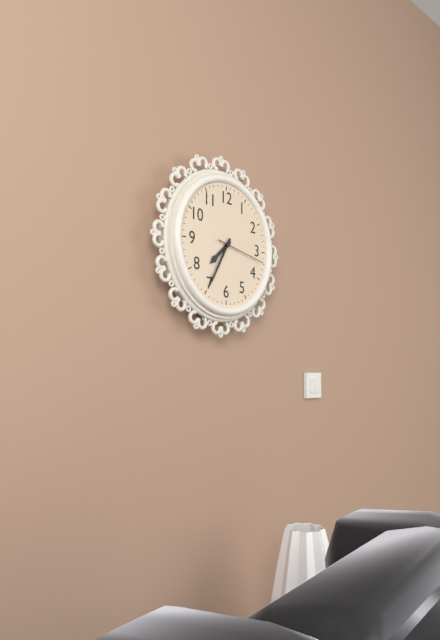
7:35
